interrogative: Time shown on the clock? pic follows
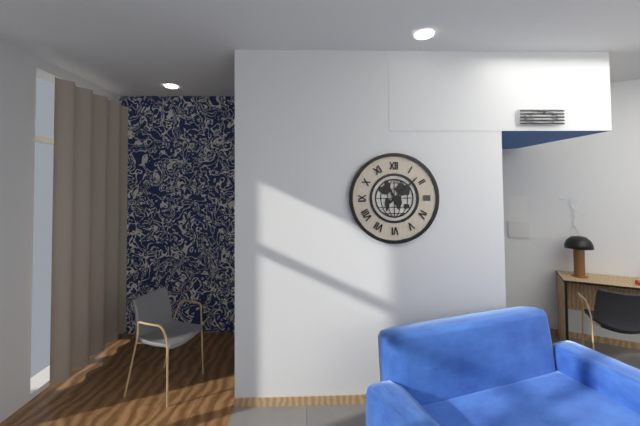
11:08
